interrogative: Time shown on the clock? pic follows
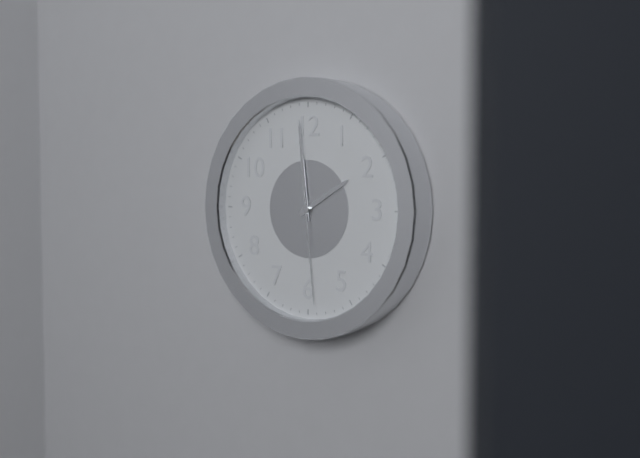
1:59:29
